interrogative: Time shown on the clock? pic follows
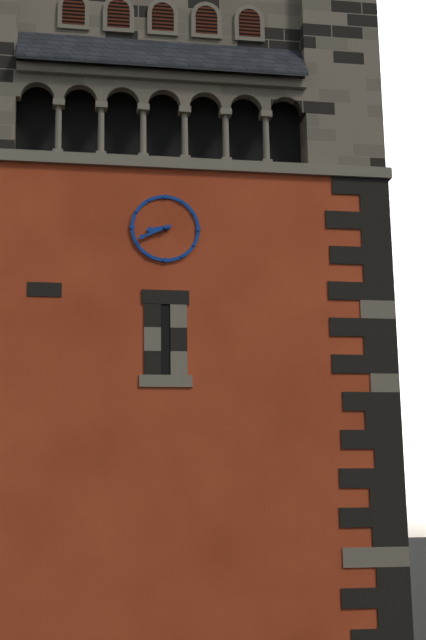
8:41
